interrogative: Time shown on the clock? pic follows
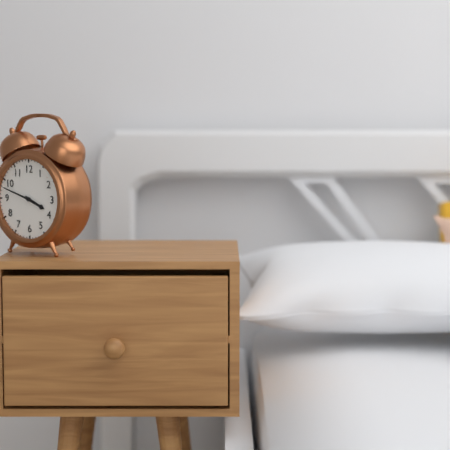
3:48
